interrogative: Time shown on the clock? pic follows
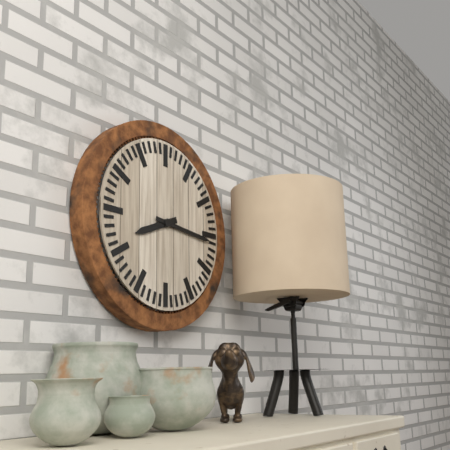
8:16
